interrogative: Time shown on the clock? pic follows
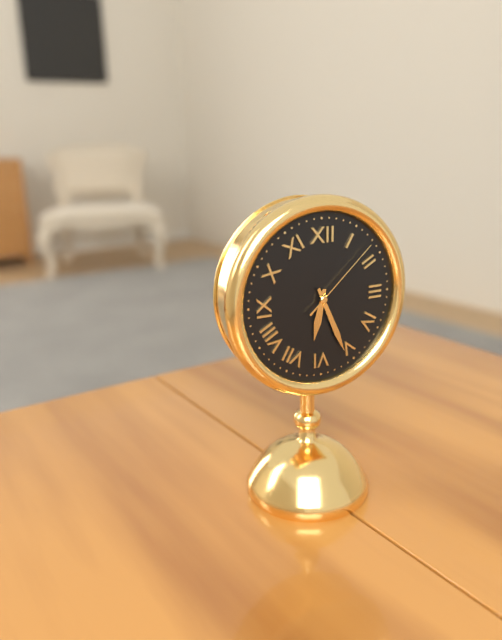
6:26:08
